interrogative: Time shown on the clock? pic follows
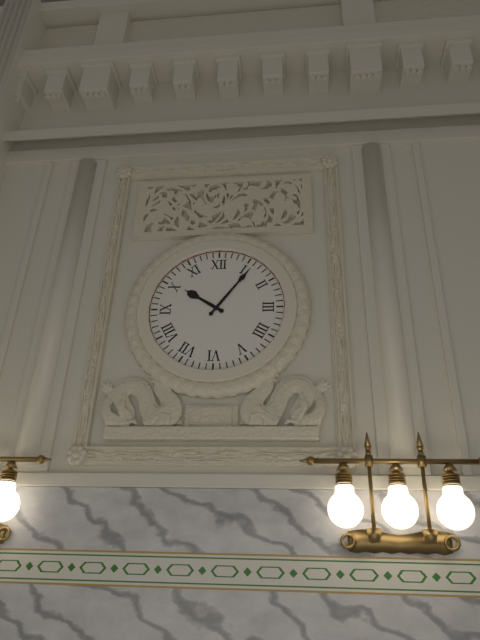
10:06
